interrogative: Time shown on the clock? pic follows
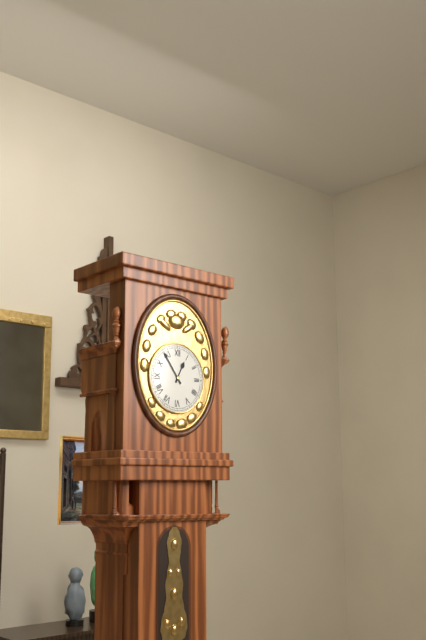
12:54
